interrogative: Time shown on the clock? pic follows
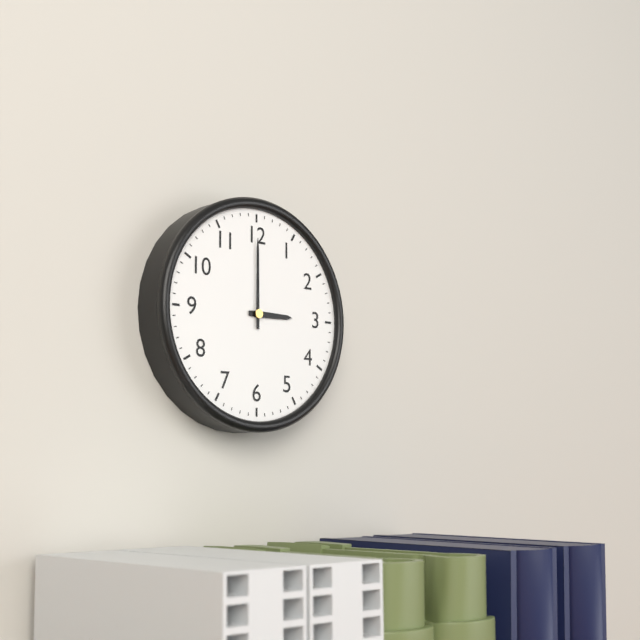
3:00
